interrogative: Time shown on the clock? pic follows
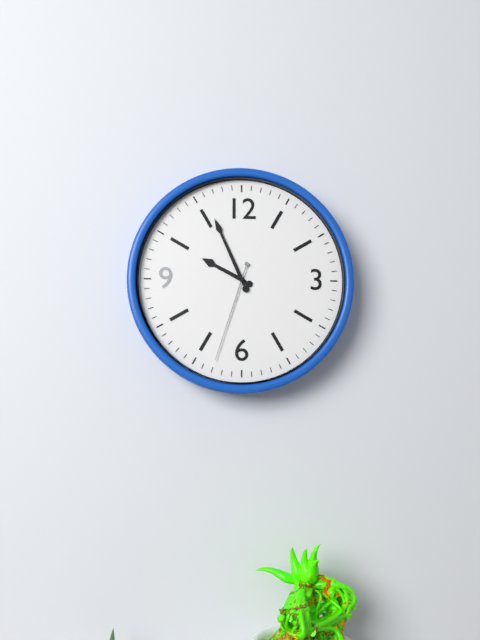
9:56:33
